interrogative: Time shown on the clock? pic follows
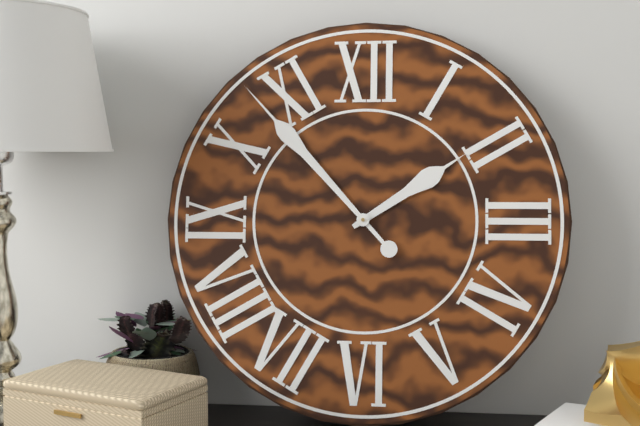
1:53
